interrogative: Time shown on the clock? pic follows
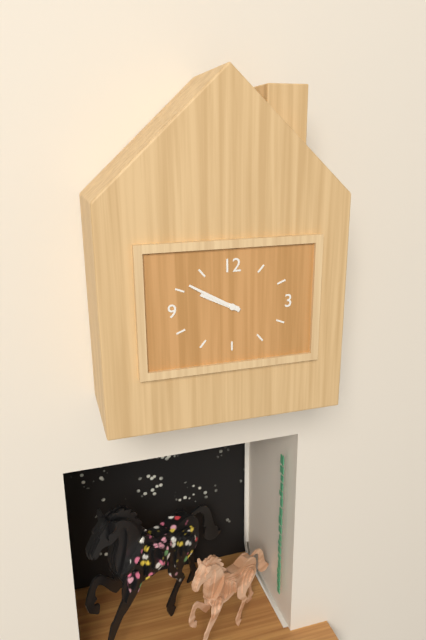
9:50
